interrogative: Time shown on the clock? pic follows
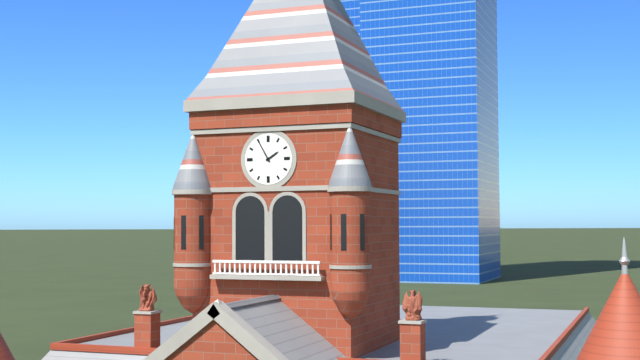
1:55
